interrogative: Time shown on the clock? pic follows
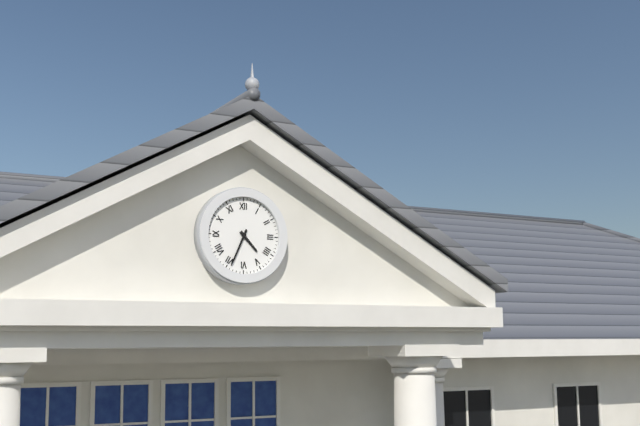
4:34
